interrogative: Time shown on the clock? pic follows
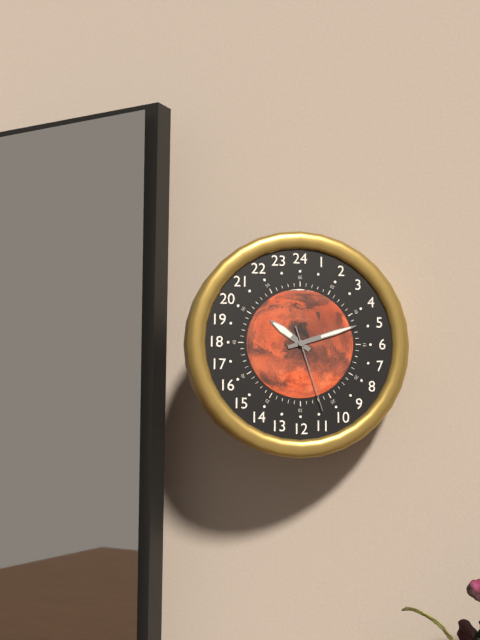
10:12:27
